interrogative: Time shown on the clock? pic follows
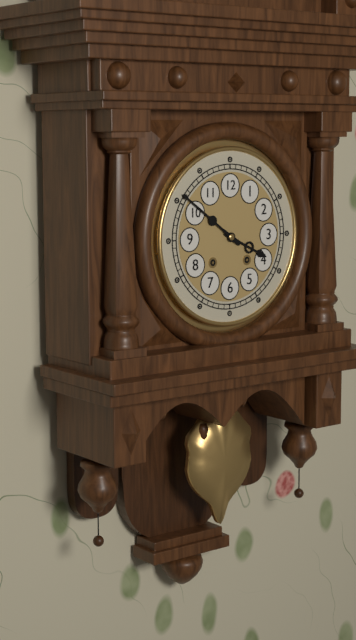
3:51
